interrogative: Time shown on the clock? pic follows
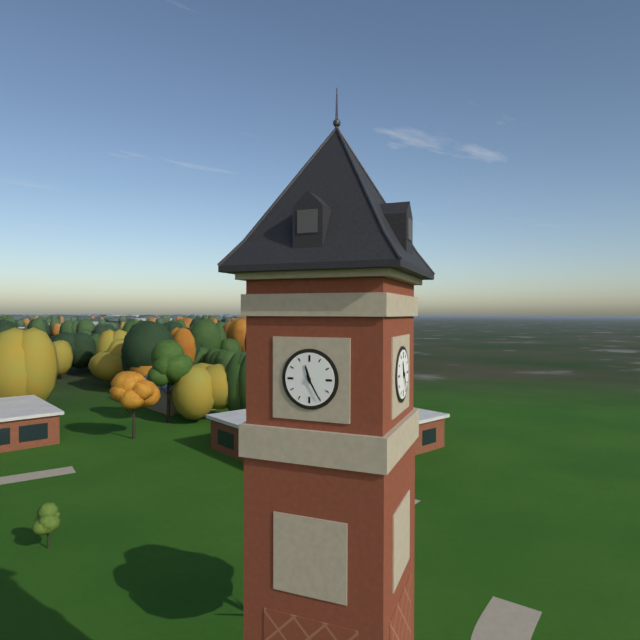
11:25
